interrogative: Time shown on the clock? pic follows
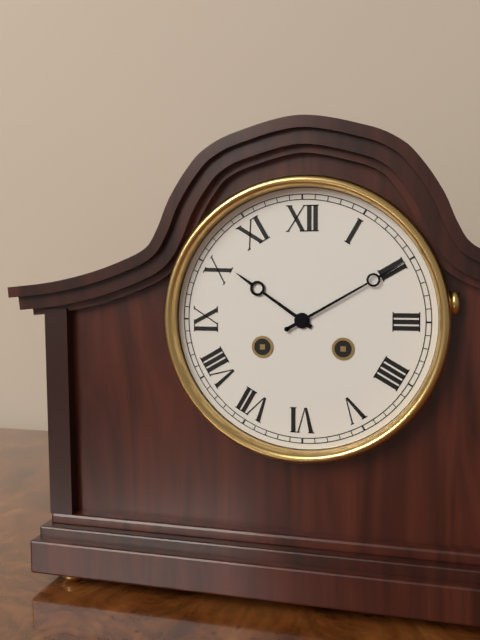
10:10
